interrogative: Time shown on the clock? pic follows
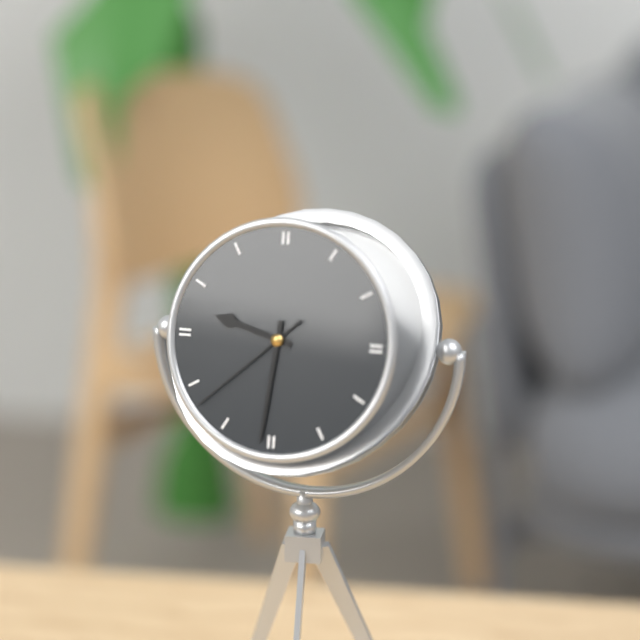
9:31:38
